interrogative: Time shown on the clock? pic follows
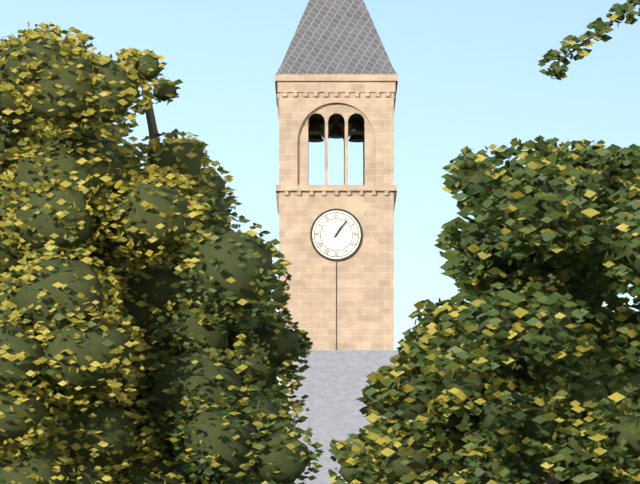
1:06
